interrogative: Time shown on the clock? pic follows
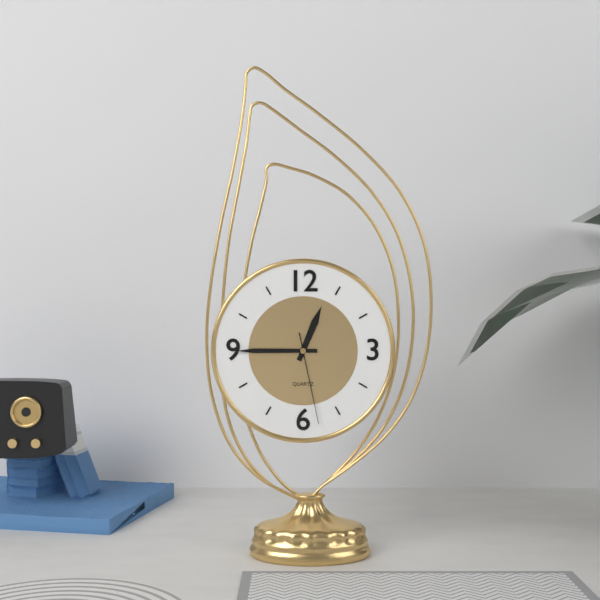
12:45:28
